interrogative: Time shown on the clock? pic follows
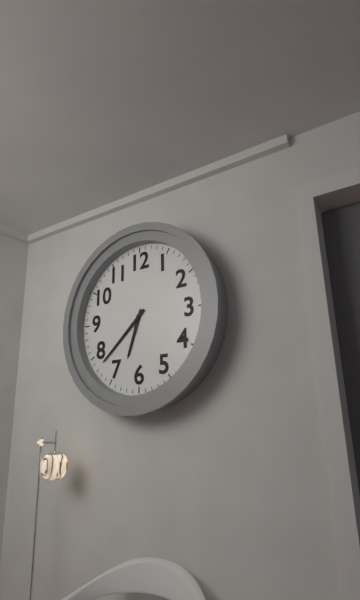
6:38
